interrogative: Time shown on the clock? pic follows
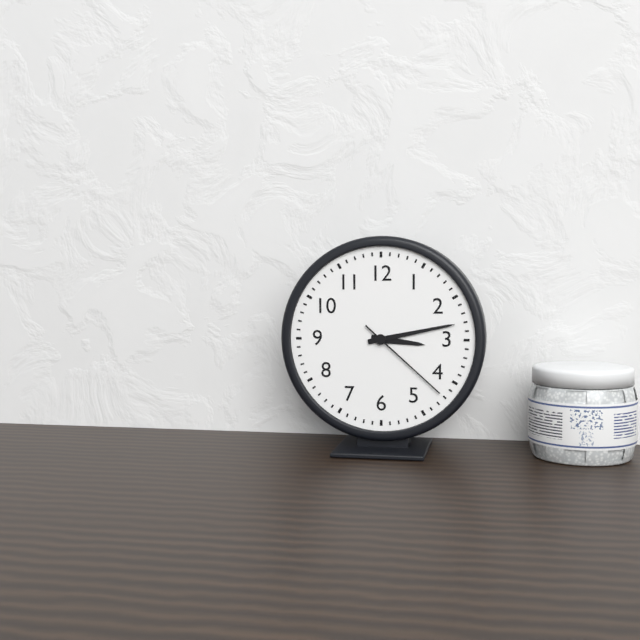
3:13:22
